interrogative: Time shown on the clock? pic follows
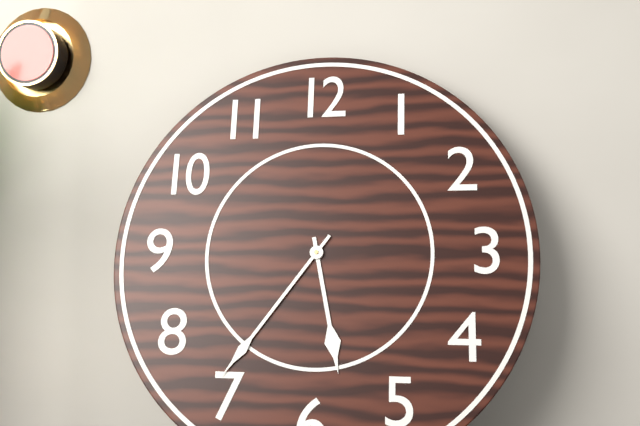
5:36
